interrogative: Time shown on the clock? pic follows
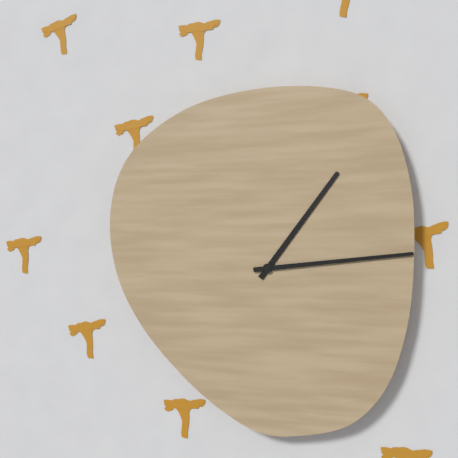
1:14
